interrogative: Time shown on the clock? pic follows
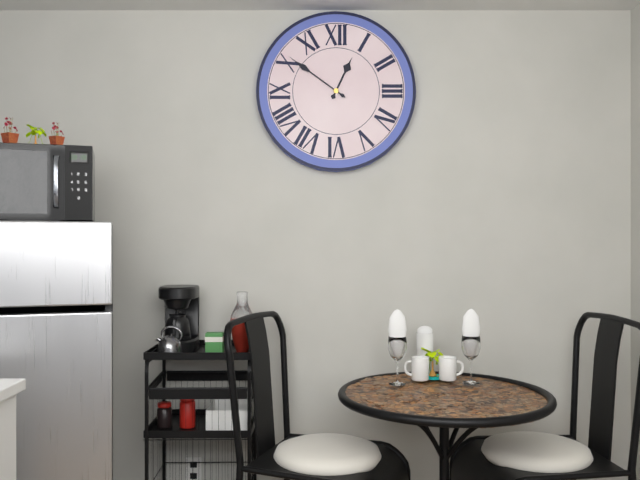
12:51
